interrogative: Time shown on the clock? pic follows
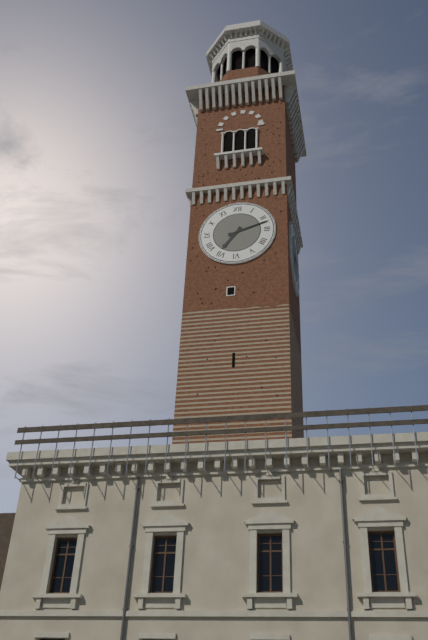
7:12
